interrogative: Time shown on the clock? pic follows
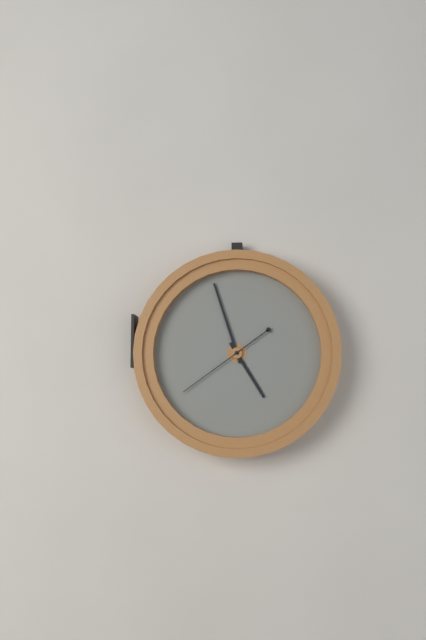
4:57:39
